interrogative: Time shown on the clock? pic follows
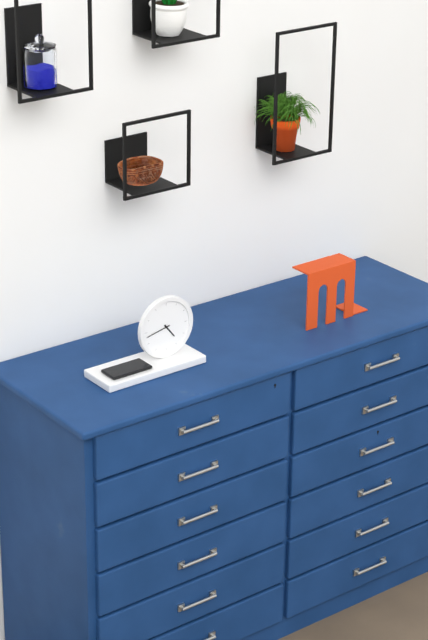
4:43
